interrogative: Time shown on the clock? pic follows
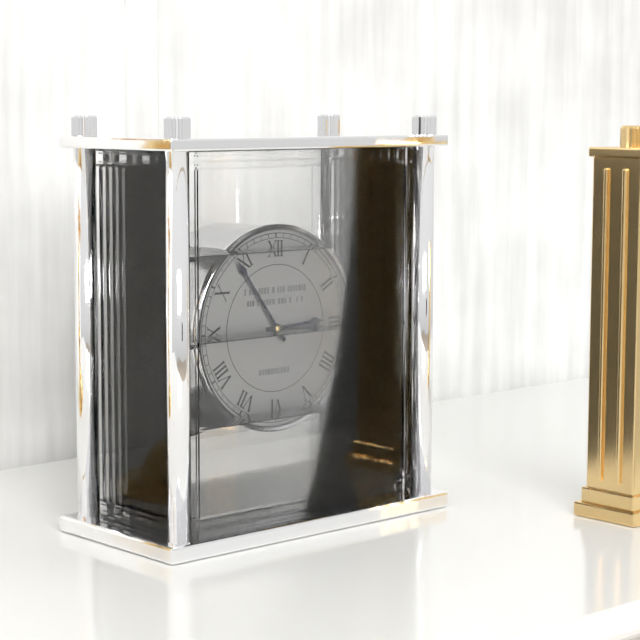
2:54
